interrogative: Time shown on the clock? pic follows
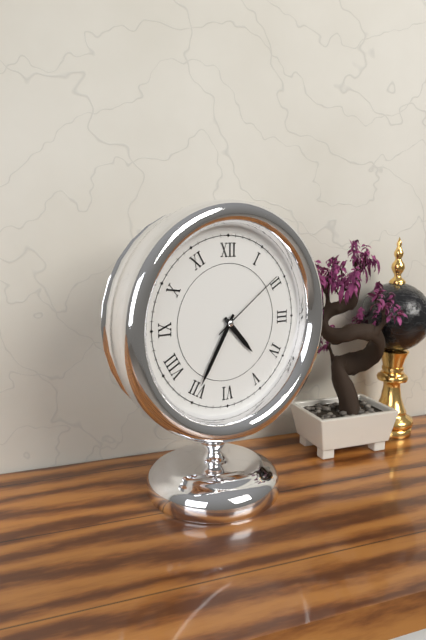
4:35:09
